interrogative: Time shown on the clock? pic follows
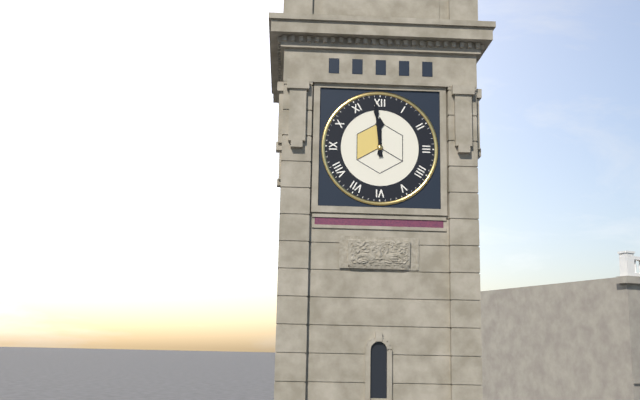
11:59
